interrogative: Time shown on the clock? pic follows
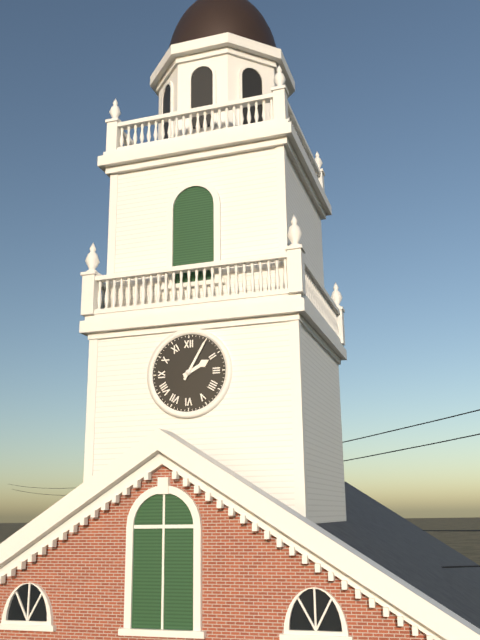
2:05
